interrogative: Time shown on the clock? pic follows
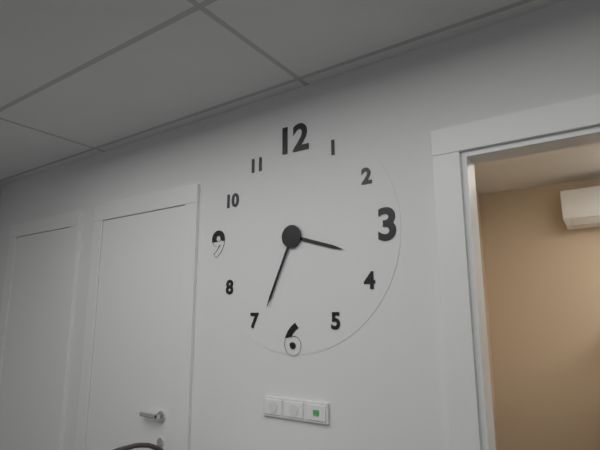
3:34
